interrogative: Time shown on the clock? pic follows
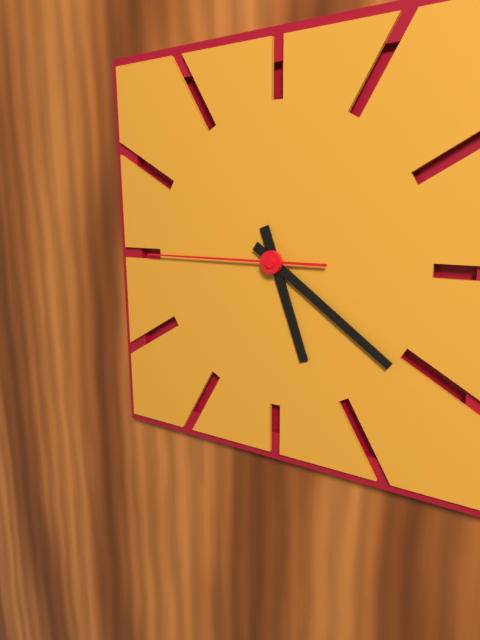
5:21:45
